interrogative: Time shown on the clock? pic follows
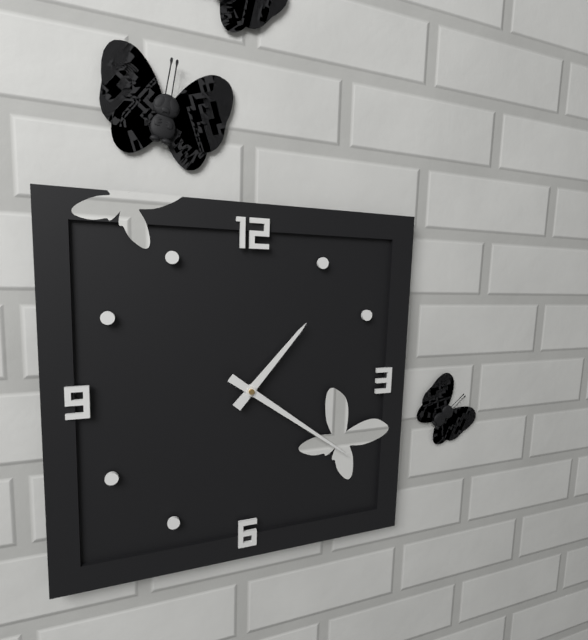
1:21
